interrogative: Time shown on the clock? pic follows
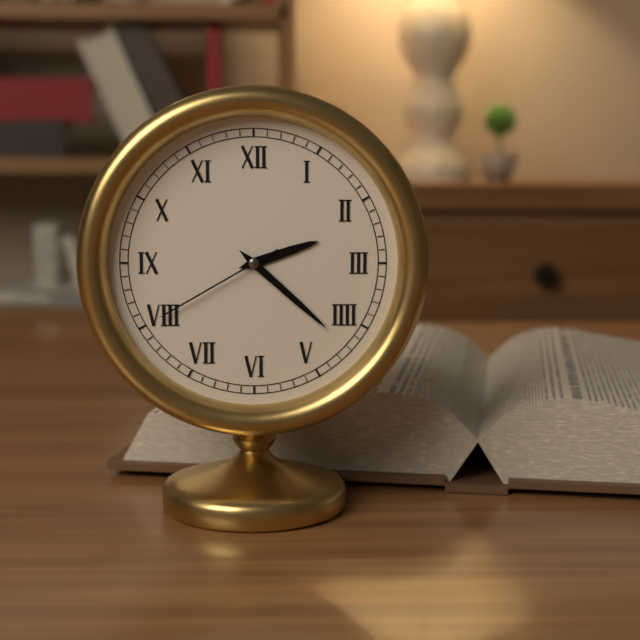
2:22:40
